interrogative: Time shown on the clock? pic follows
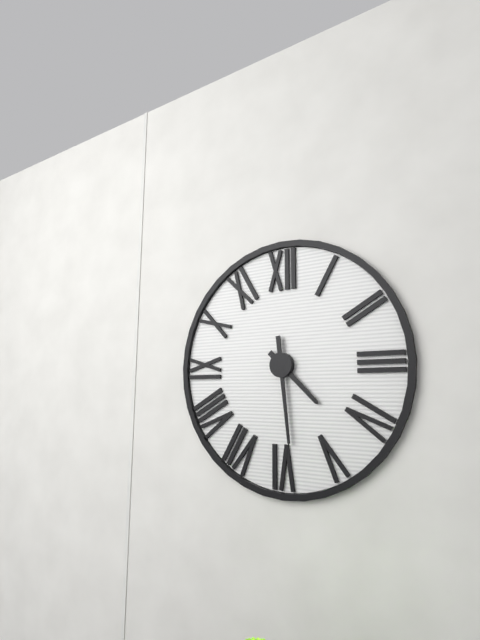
4:29
